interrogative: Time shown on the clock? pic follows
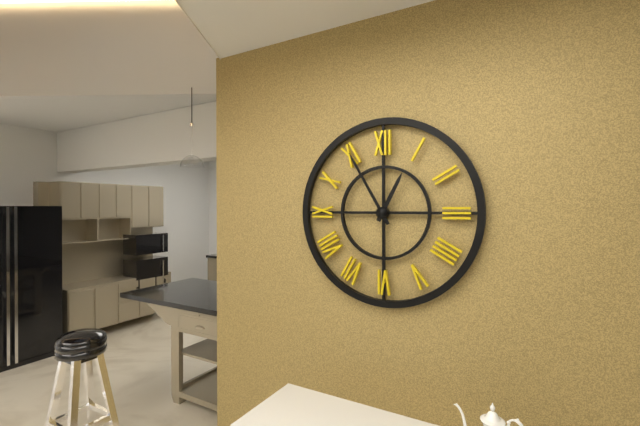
12:55
